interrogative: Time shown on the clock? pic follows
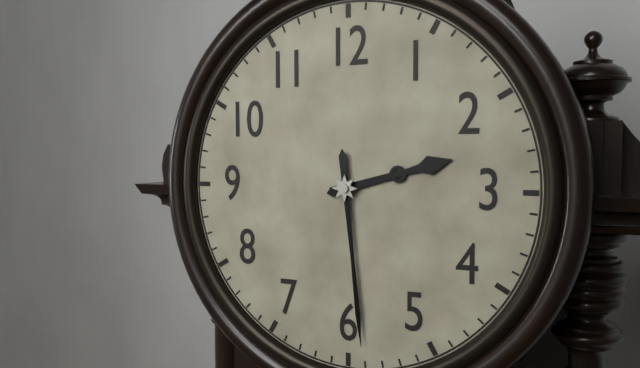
2:29
